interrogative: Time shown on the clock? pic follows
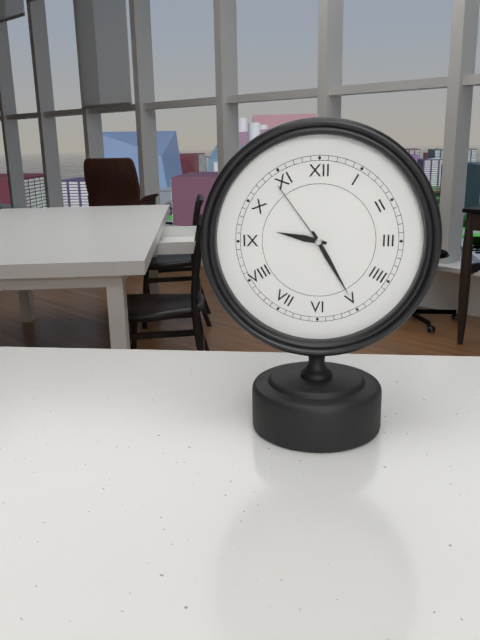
9:25:54
